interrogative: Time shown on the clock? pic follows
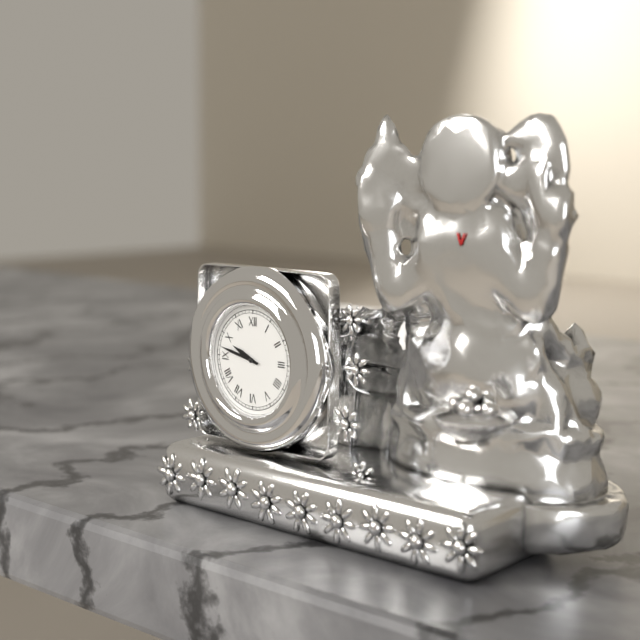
9:47
